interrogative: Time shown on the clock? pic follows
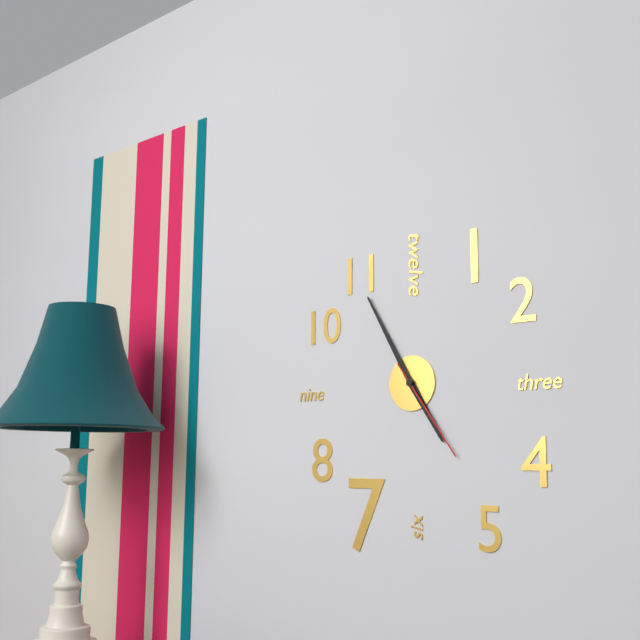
4:55:24
